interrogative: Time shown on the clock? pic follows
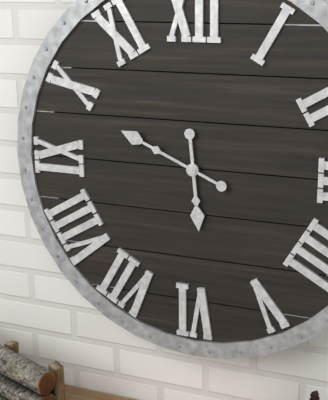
5:49
